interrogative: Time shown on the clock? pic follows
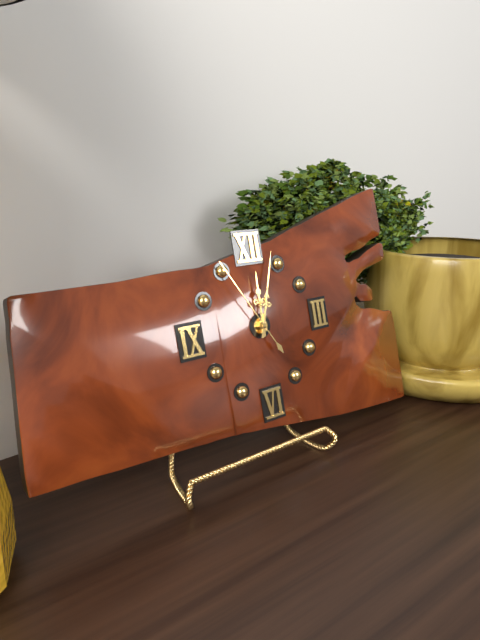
12:03:55
